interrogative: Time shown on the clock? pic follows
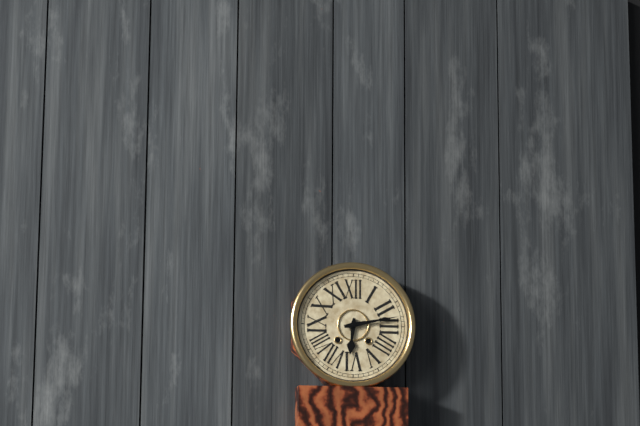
6:13
